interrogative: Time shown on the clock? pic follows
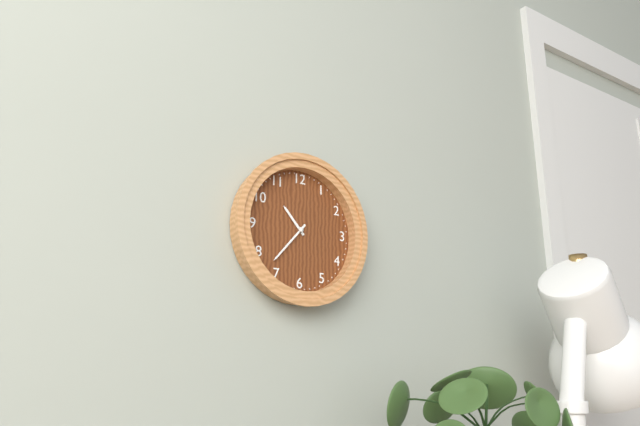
10:37
